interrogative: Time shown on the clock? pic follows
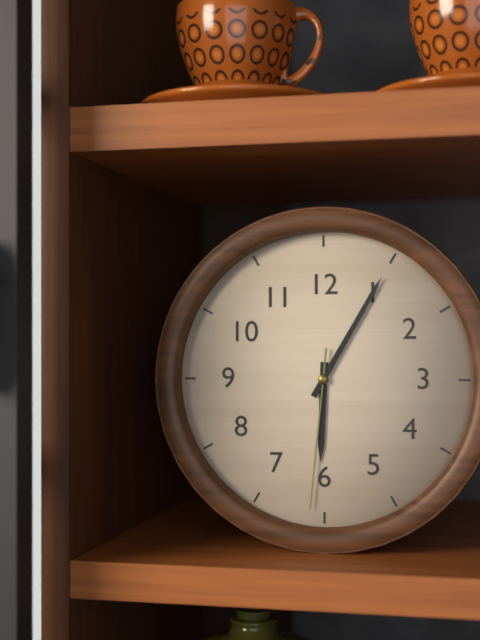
6:05:31
